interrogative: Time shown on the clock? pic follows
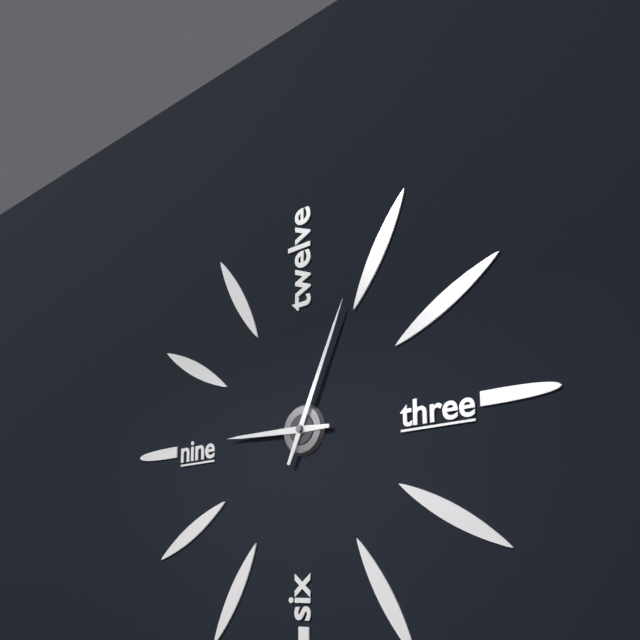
9:04
